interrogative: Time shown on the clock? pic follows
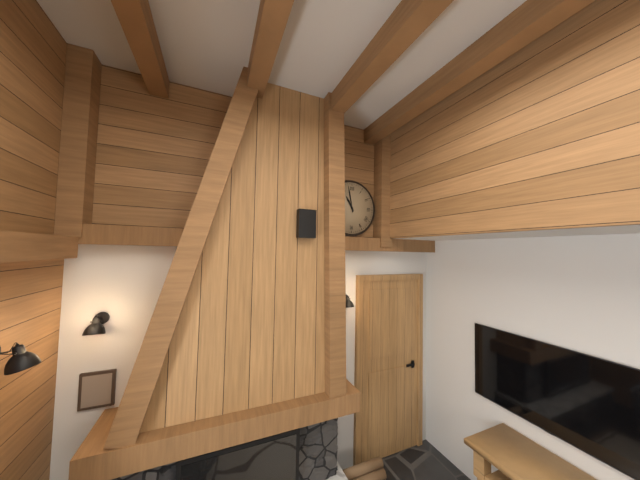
10:58
